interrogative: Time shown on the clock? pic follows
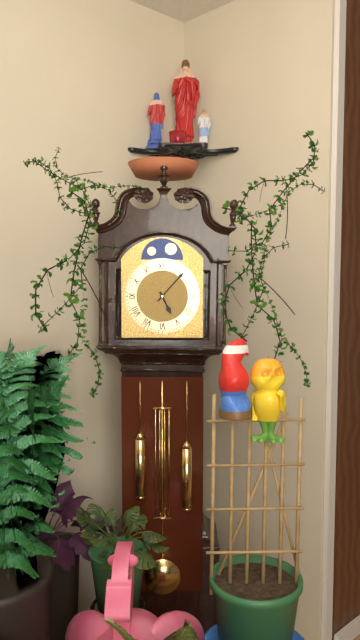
5:07
